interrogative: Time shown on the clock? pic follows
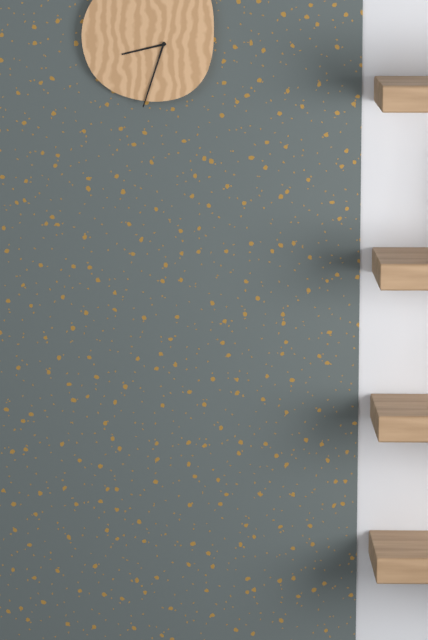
8:33
